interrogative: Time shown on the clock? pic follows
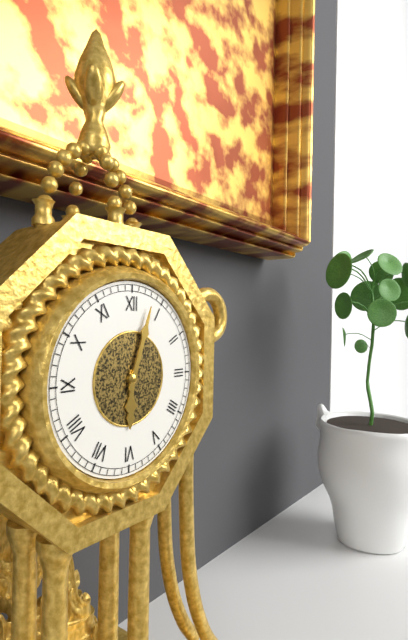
6:03
